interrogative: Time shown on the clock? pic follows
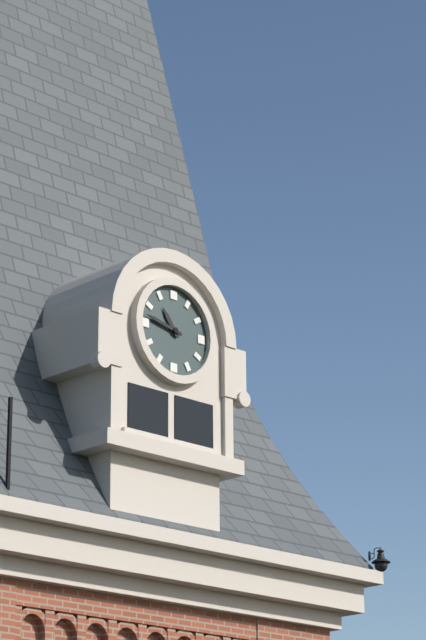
10:47
